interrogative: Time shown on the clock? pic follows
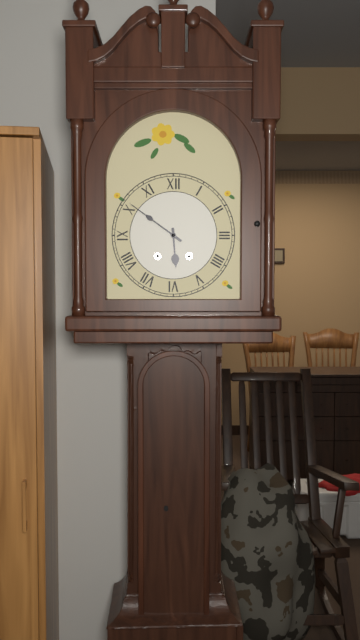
5:51
